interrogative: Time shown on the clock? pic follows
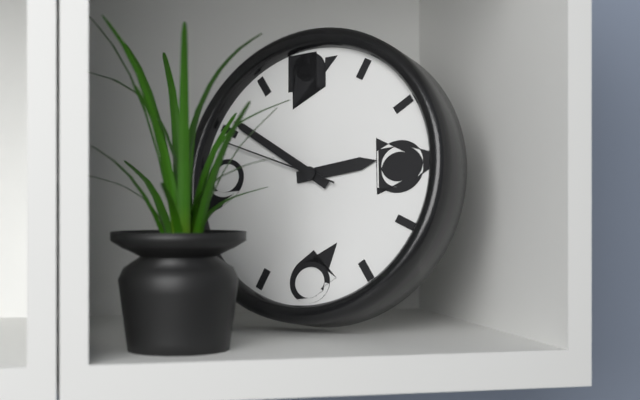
2:51:49
